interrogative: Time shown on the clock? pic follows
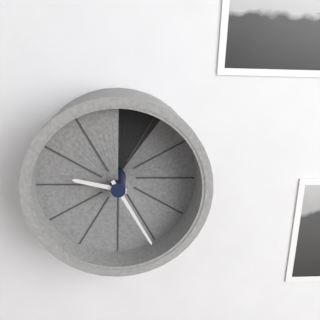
9:25
